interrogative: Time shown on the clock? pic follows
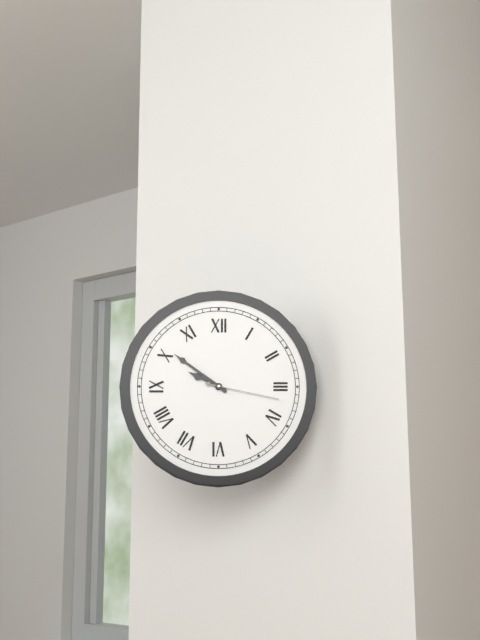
9:51:17
